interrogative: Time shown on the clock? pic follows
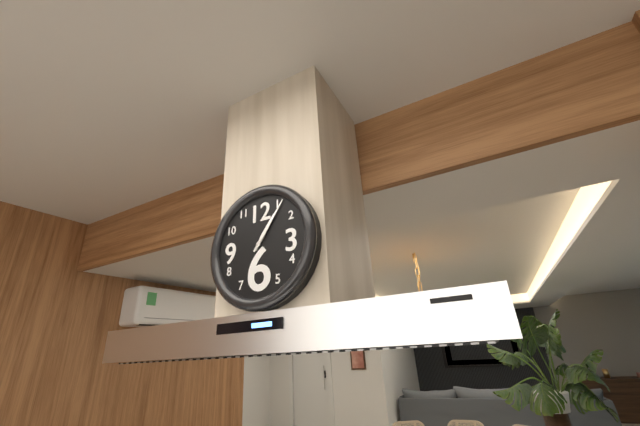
1:06
